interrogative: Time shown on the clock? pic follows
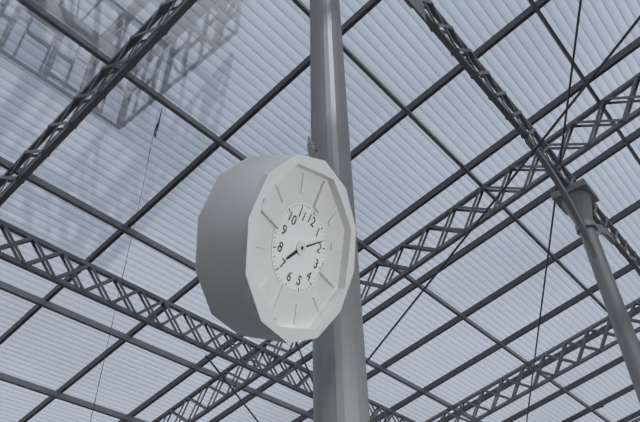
7:08
